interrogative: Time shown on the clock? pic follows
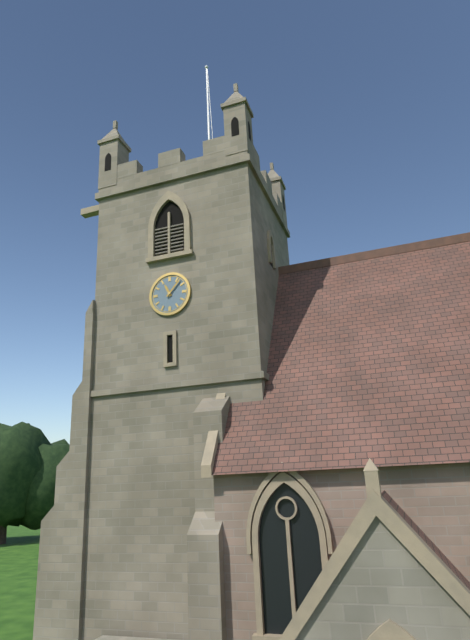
11:07
